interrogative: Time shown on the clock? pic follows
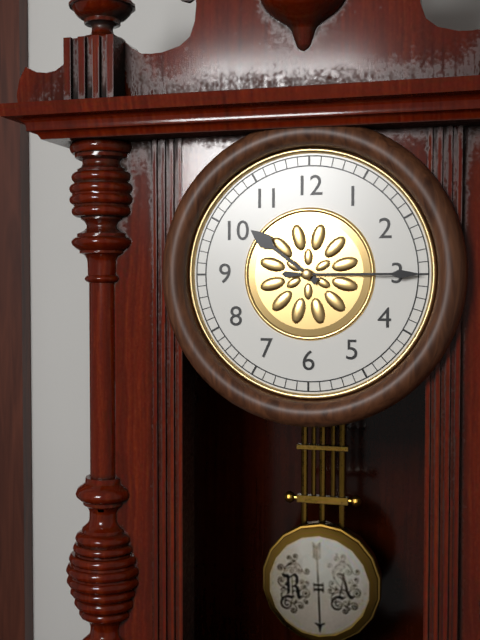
10:15
